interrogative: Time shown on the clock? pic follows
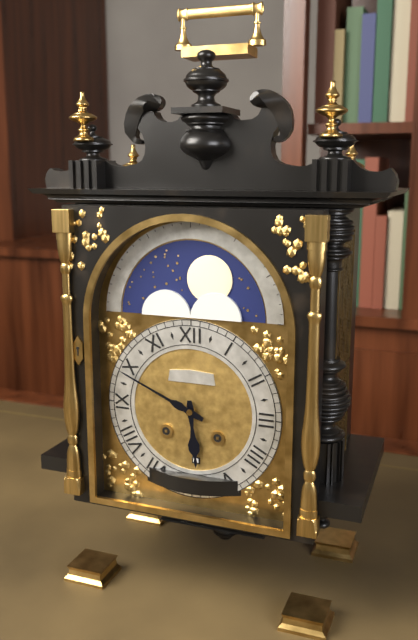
5:49
